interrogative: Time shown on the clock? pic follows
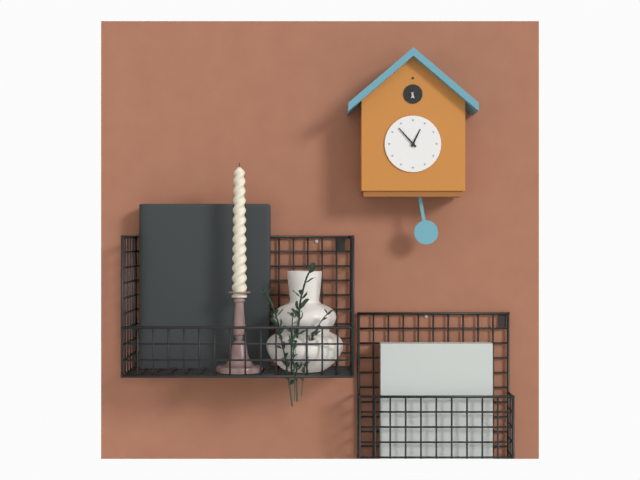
12:53
